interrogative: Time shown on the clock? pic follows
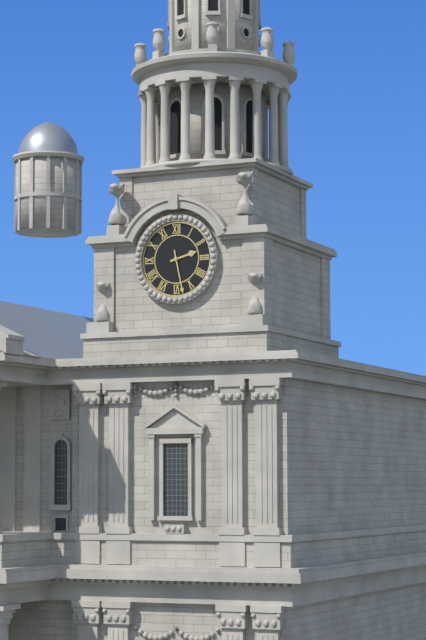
2:28
